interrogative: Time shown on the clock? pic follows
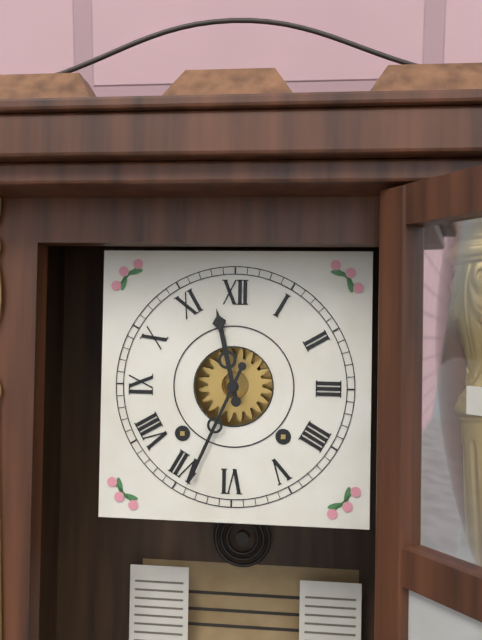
11:34
